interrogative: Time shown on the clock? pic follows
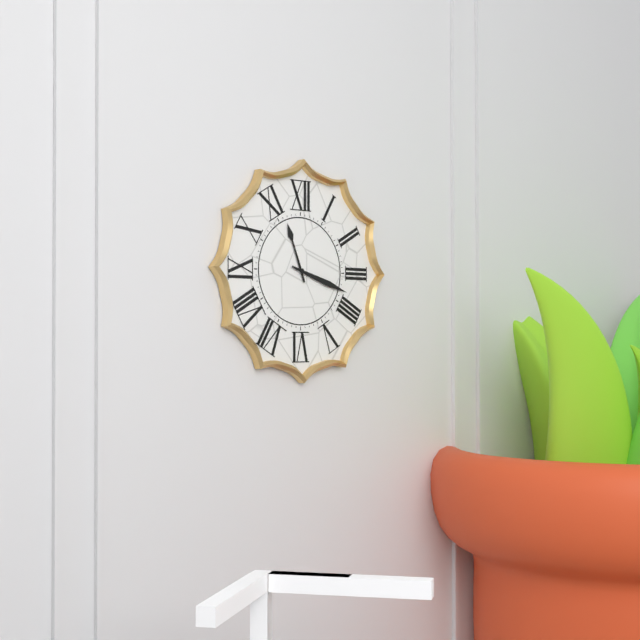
11:18
